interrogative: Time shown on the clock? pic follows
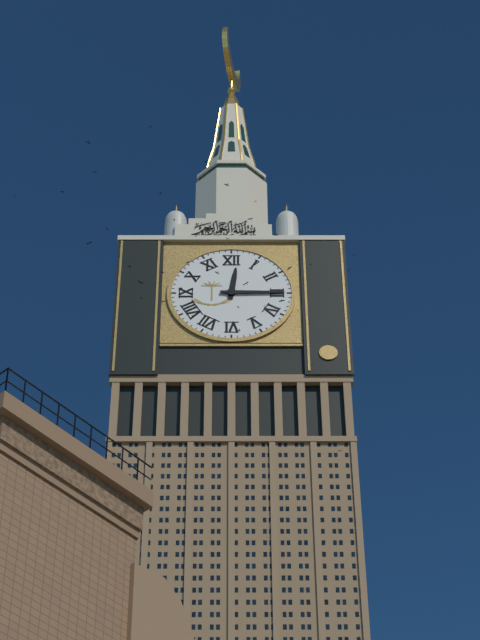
12:15
